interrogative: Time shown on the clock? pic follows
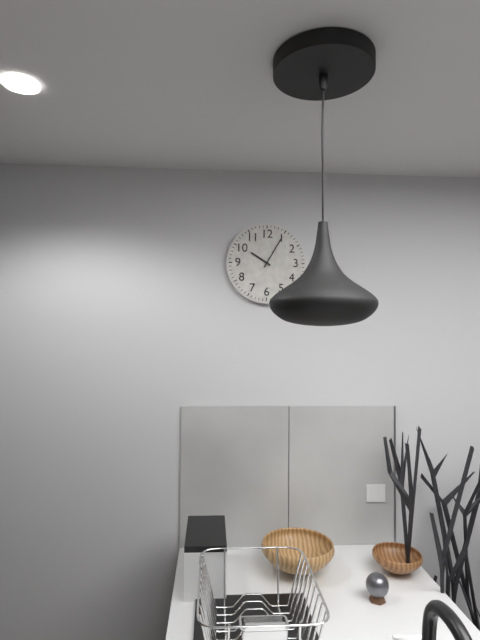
10:05
